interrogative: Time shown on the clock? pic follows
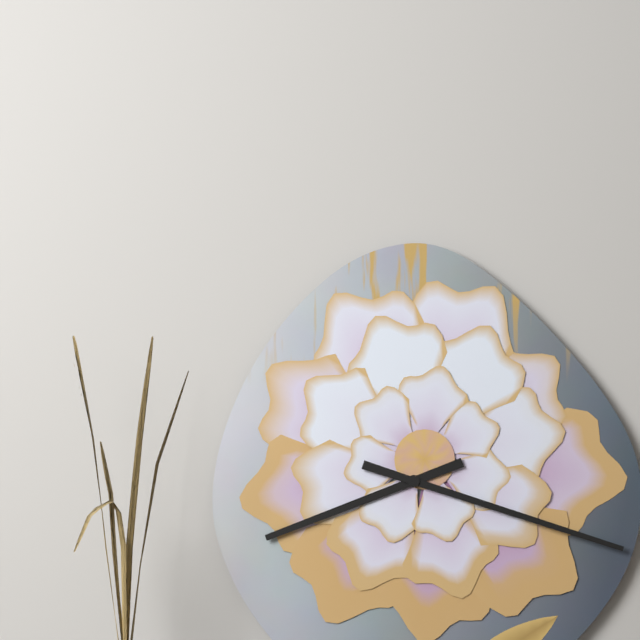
8:18
